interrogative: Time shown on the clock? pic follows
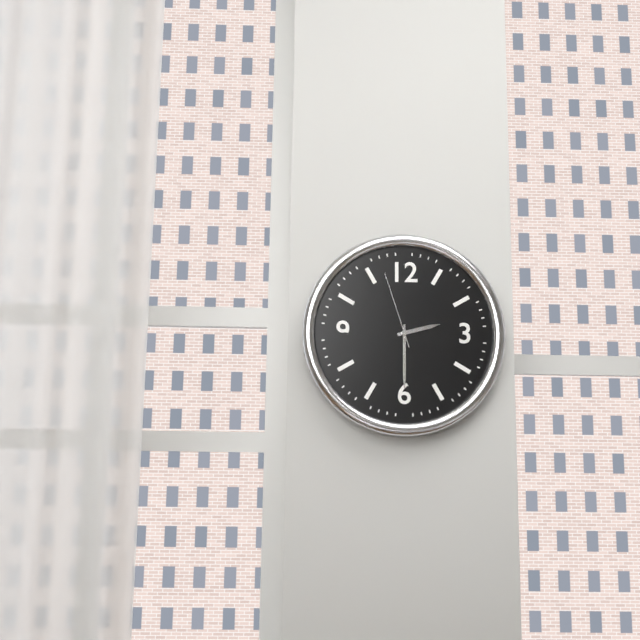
2:30:57
